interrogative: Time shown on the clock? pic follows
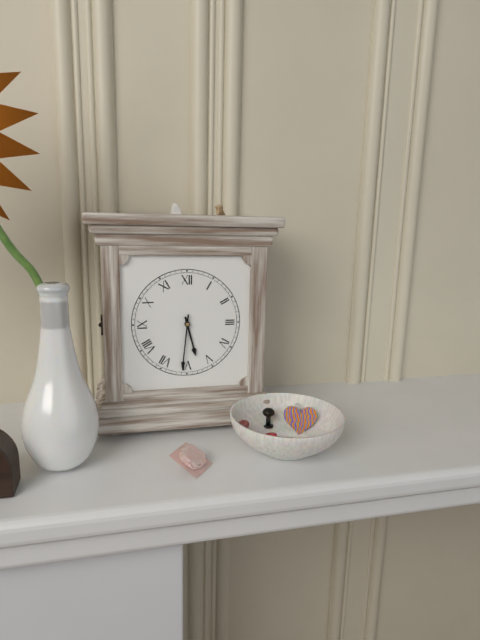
5:31
